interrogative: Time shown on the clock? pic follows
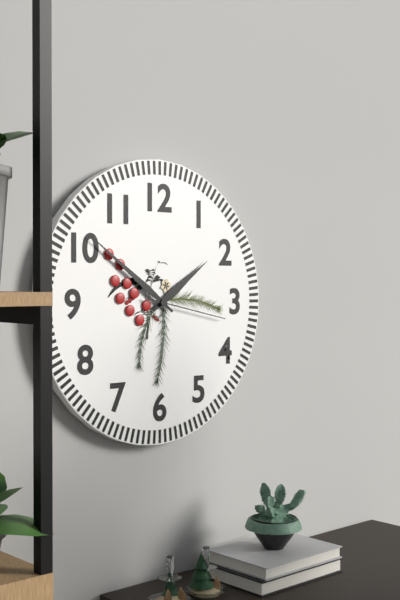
1:51:17
